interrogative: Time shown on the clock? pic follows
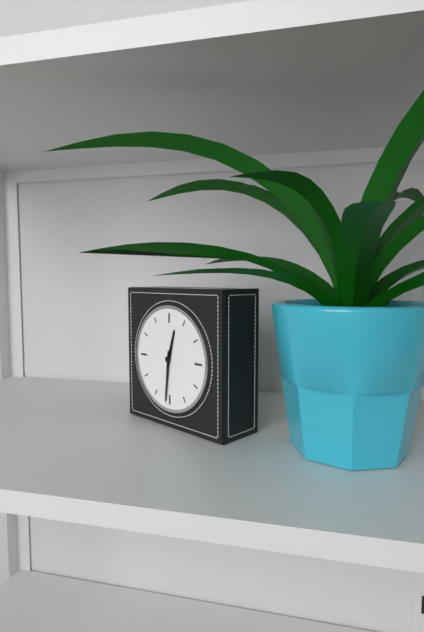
12:31
